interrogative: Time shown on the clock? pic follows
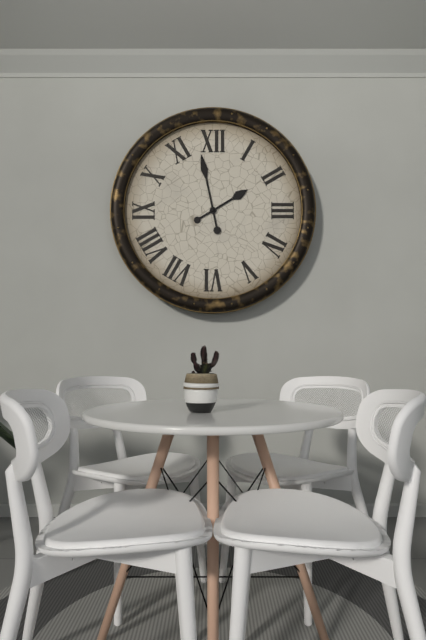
1:58
